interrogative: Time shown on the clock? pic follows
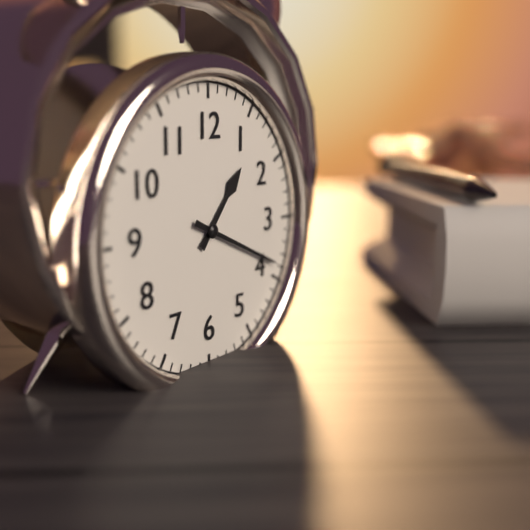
1:19
